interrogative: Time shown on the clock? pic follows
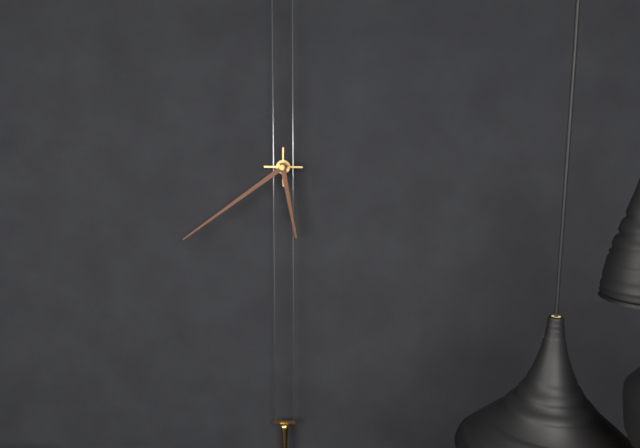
5:39
